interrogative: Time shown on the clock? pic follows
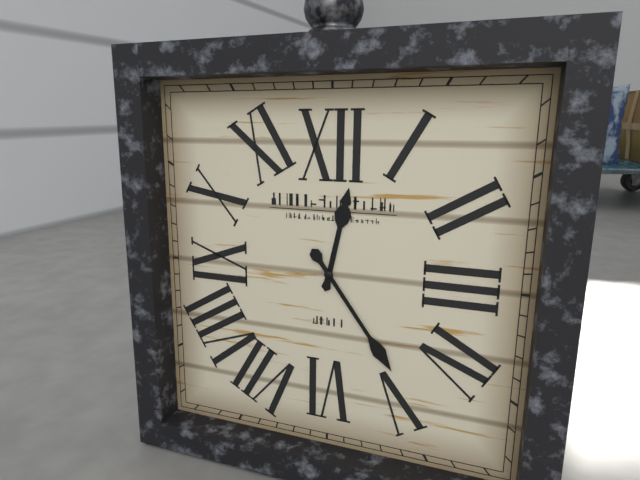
12:24
